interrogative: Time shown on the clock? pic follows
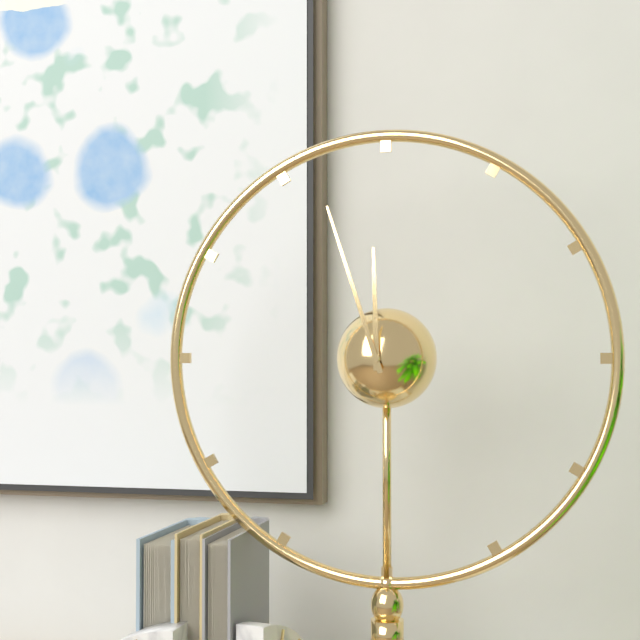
11:57
